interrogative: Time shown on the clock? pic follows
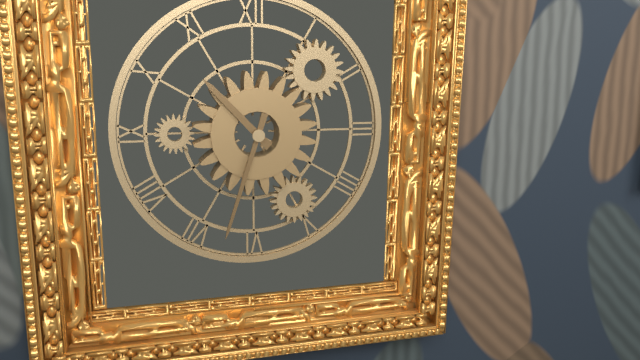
10:33
